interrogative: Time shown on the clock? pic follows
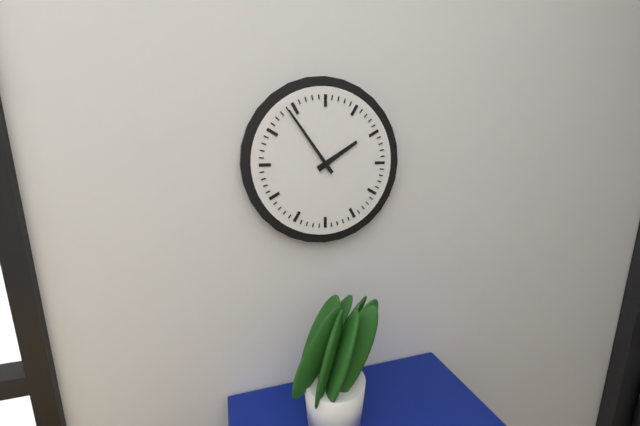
1:54
